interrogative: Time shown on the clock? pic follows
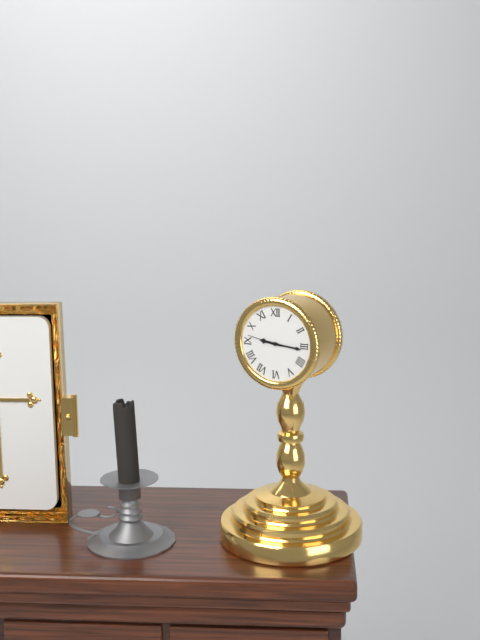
9:16:47
